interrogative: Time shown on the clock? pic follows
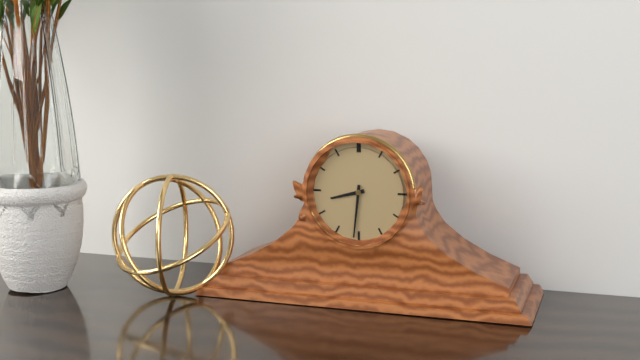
8:31
